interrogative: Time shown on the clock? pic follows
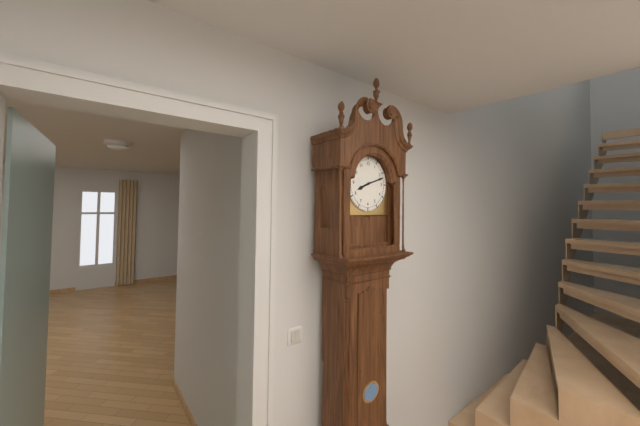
8:12
